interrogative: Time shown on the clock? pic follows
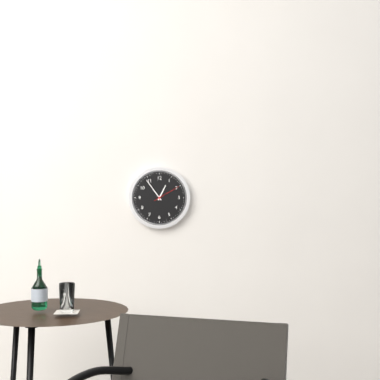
12:54
